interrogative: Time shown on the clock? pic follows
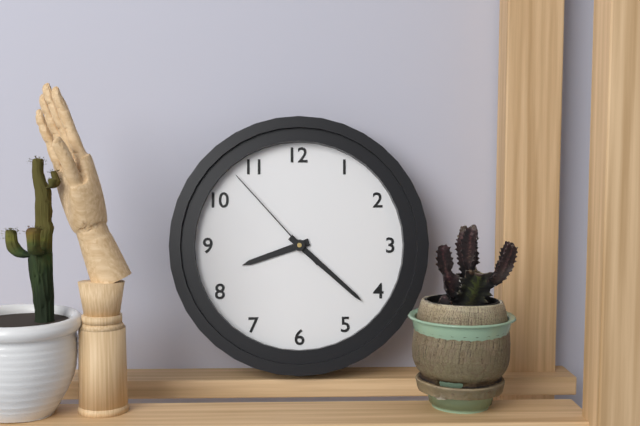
8:22:53
